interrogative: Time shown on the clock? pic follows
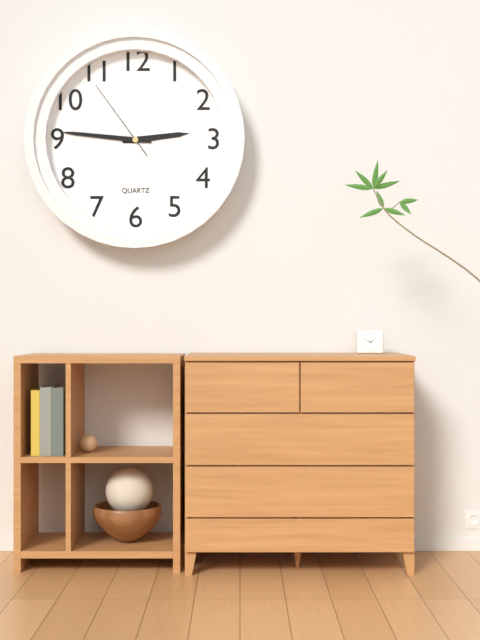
2:46:54
